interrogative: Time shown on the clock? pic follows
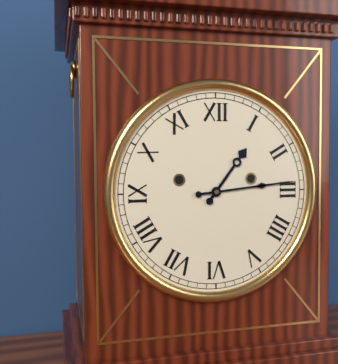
1:14
